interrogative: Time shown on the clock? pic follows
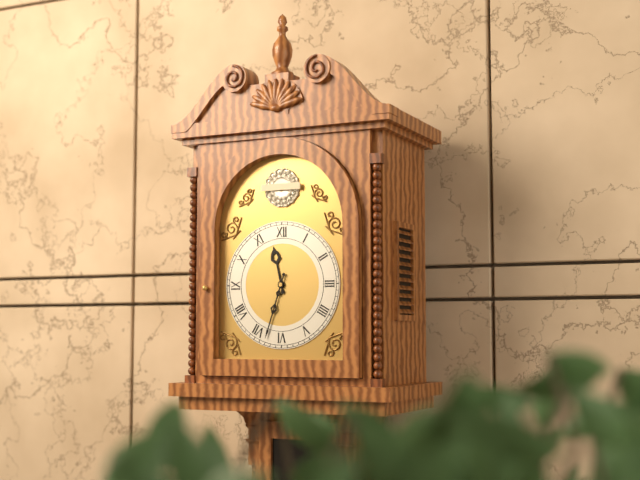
11:33
